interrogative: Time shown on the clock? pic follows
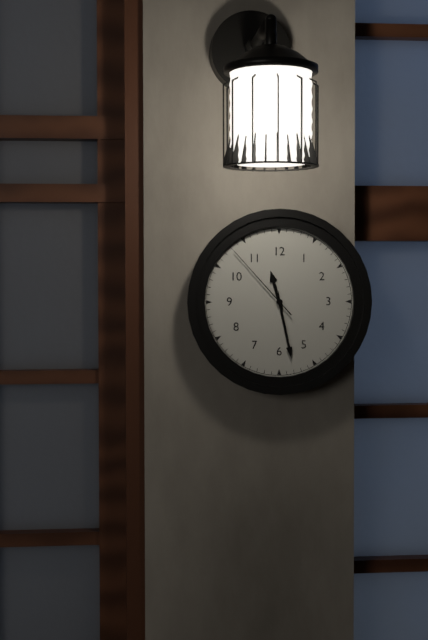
11:28:53
